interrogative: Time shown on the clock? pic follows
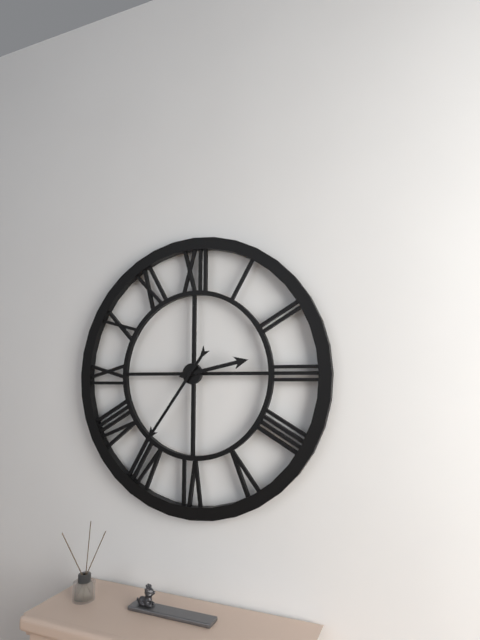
2:36
